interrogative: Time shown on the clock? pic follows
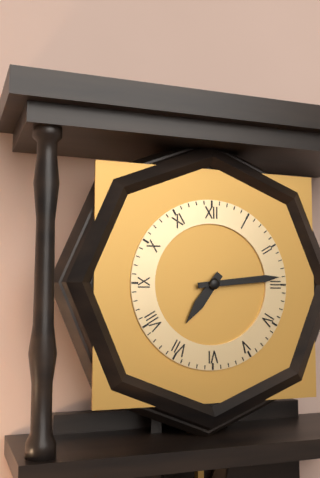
7:14
